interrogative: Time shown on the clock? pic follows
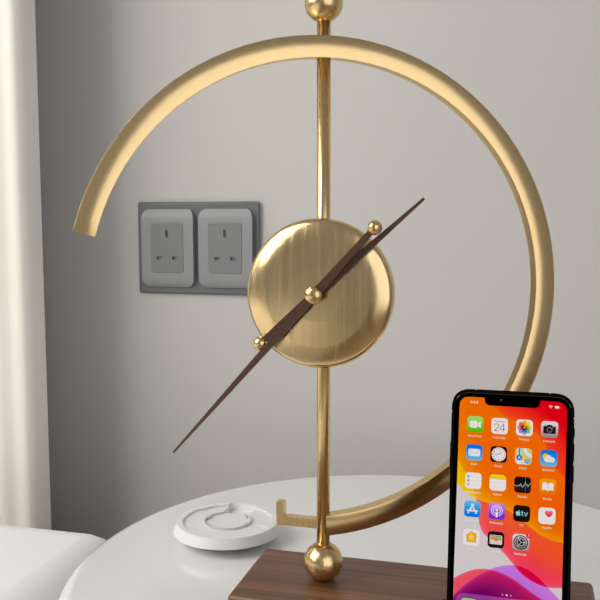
1:37
